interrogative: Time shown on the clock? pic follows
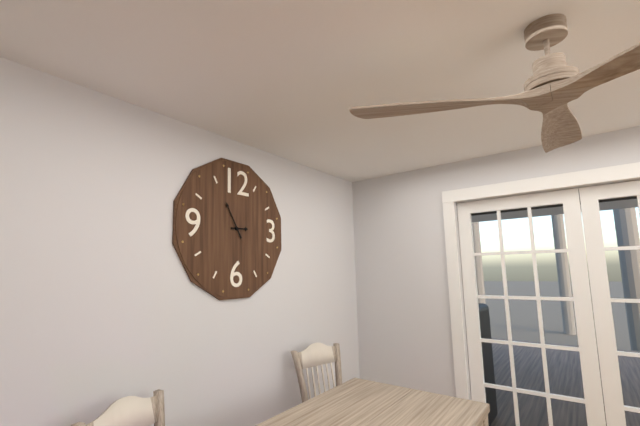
2:55
